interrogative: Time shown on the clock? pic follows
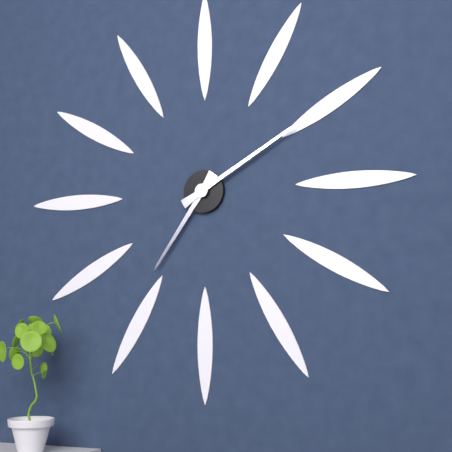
7:10
